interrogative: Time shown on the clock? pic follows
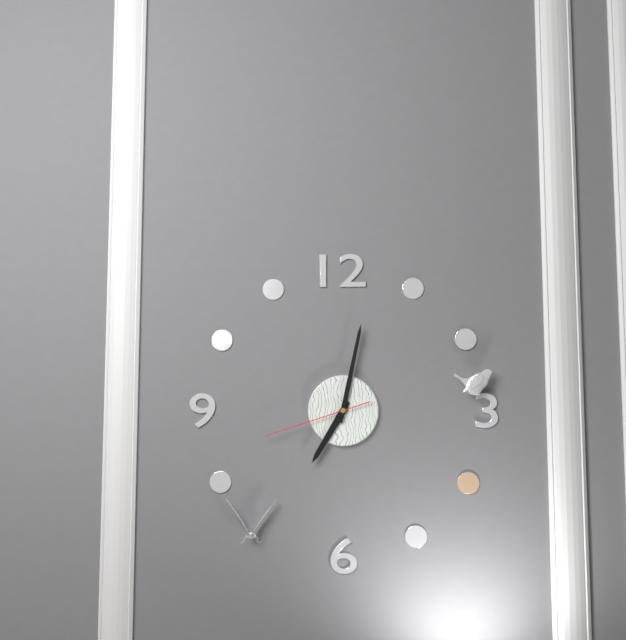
7:02:42
